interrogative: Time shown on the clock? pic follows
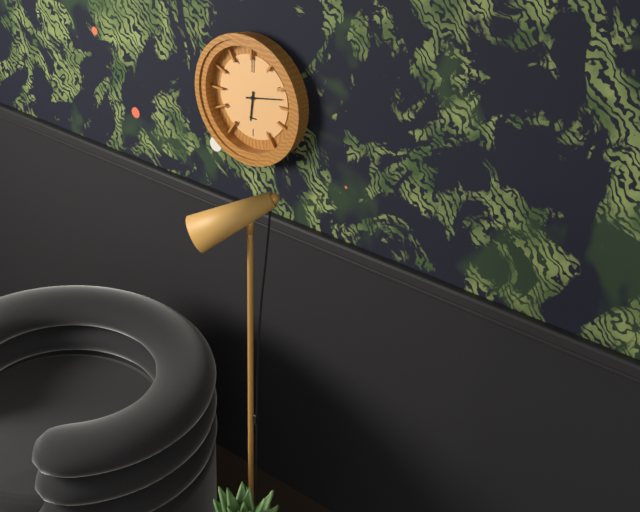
6:13
